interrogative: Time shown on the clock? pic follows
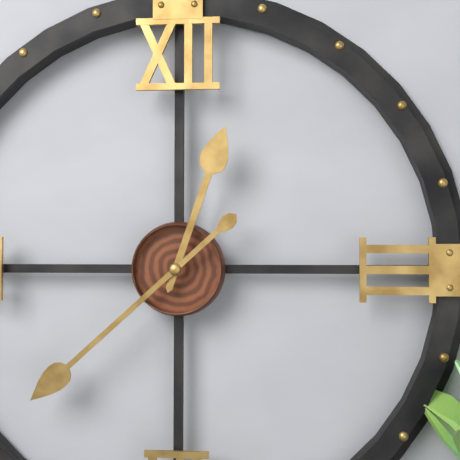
12:38
